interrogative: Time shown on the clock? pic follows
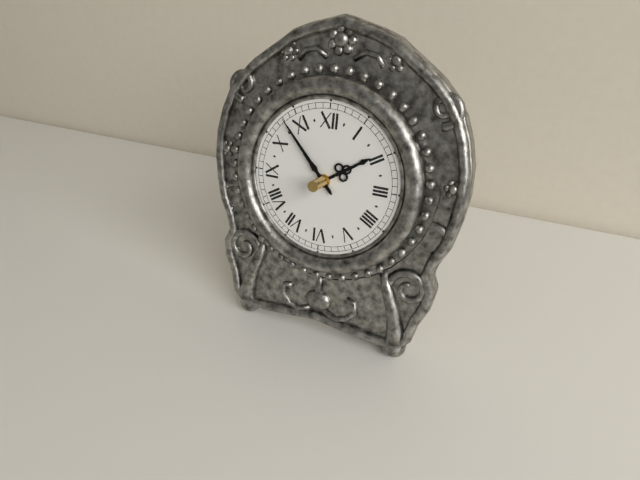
1:53
